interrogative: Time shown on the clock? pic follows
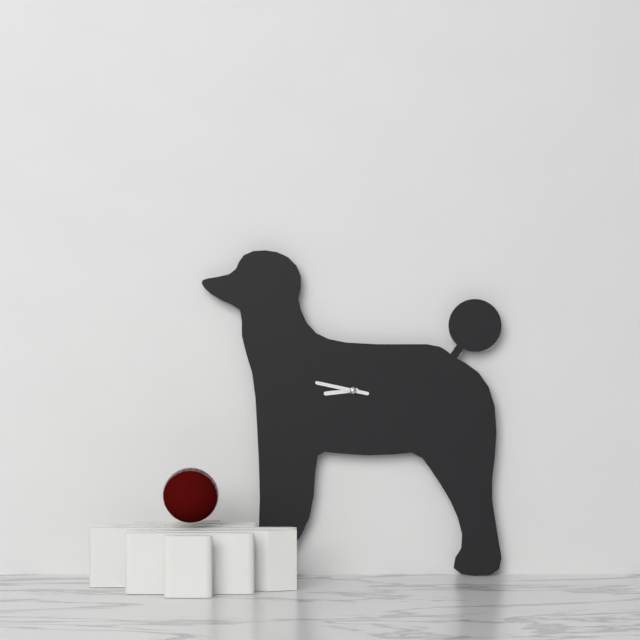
8:47
